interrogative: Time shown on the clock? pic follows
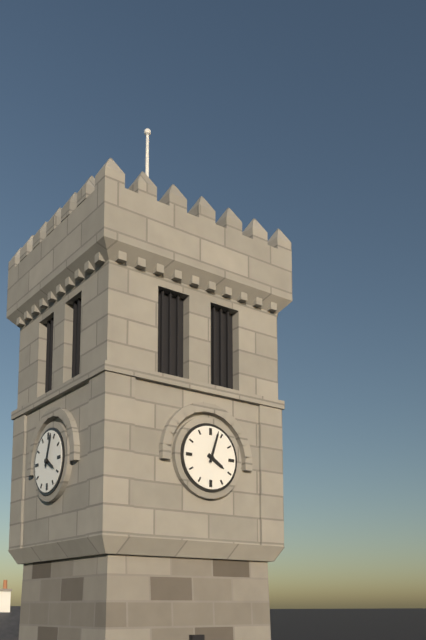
4:03
